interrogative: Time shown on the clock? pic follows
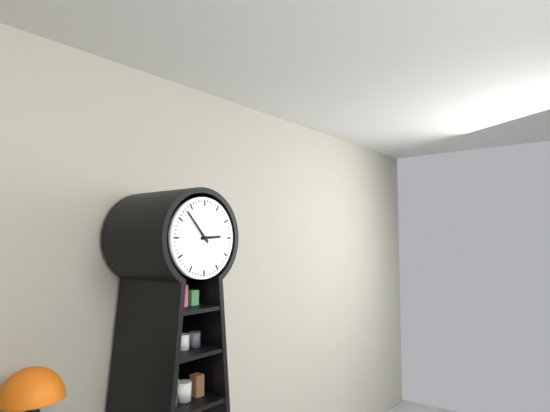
2:53
